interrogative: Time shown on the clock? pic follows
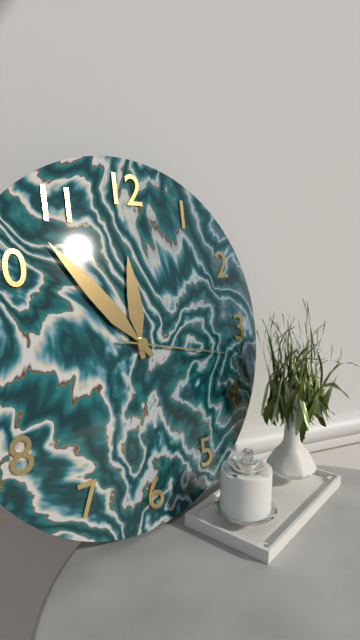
11:53:17
